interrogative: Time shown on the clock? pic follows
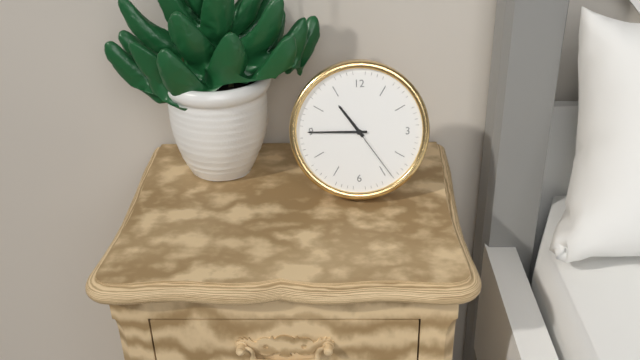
10:45:24
